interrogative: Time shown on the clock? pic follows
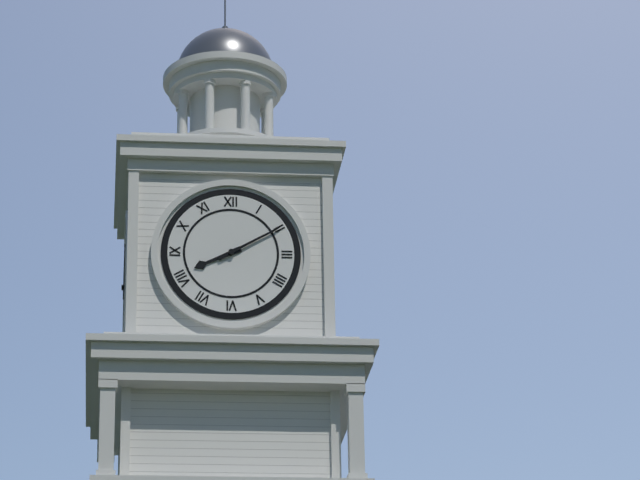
8:10
